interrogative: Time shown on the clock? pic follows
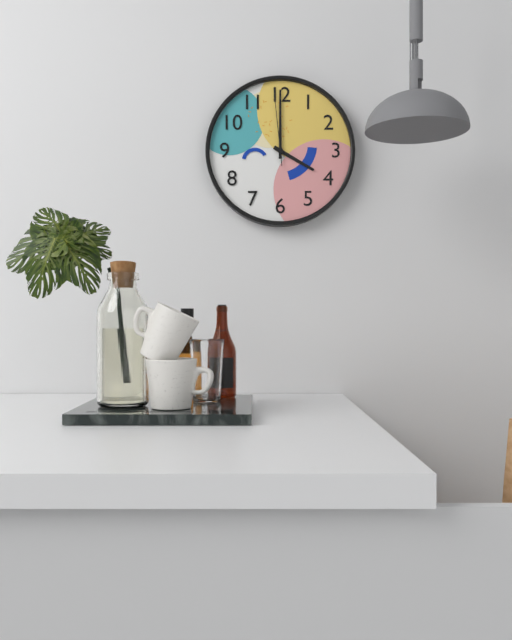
4:00:59
